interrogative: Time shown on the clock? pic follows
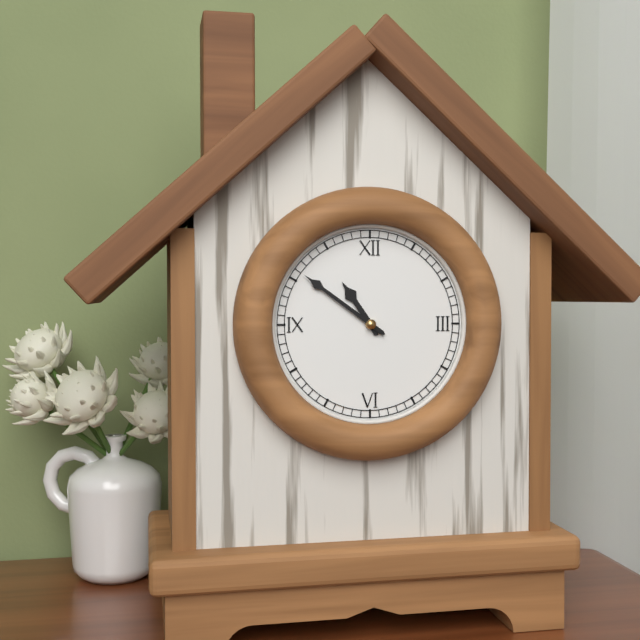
10:51
